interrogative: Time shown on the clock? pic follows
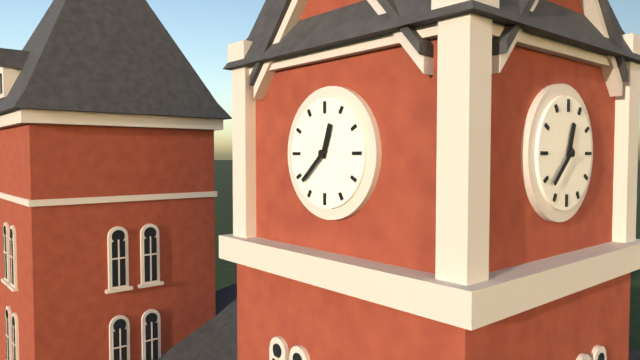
12:38
